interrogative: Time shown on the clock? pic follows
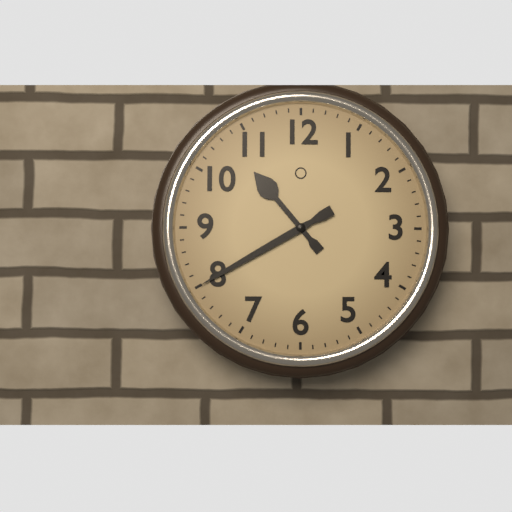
10:40
